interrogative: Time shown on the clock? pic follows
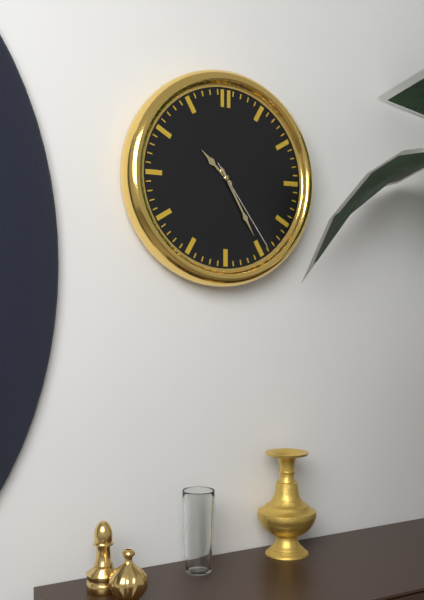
10:25:24
